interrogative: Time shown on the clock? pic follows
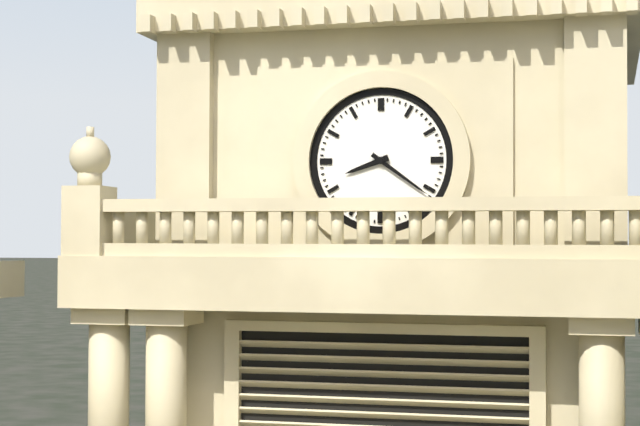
8:21
